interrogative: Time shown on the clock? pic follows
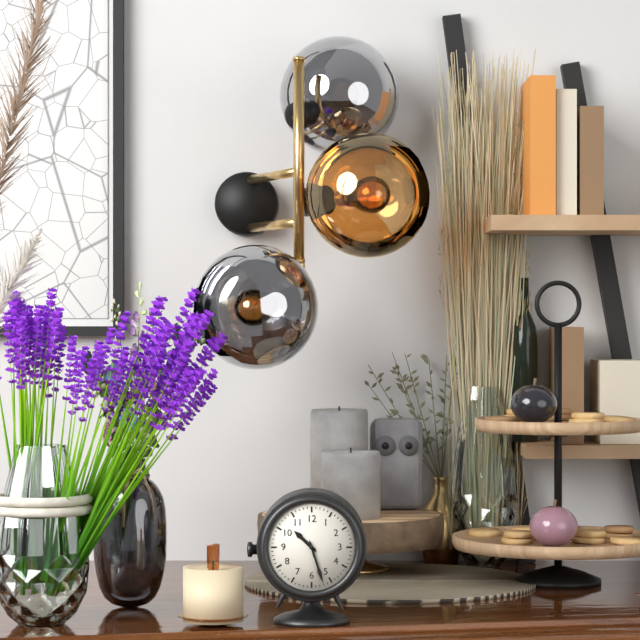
10:27
